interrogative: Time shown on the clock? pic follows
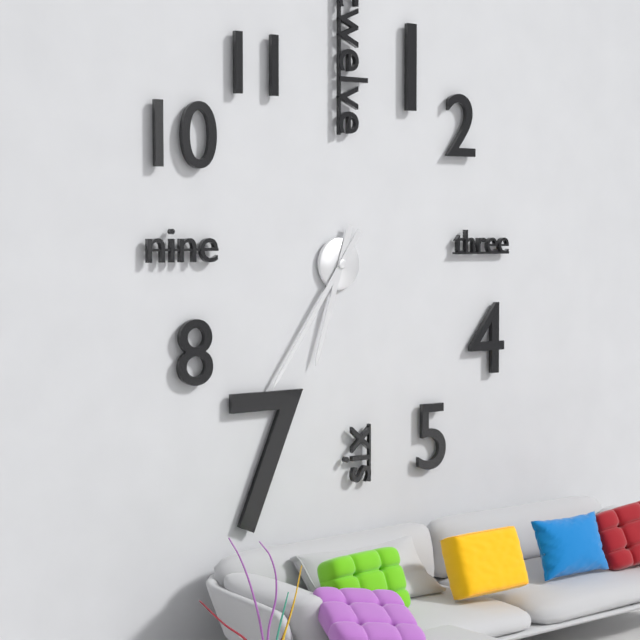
6:36
